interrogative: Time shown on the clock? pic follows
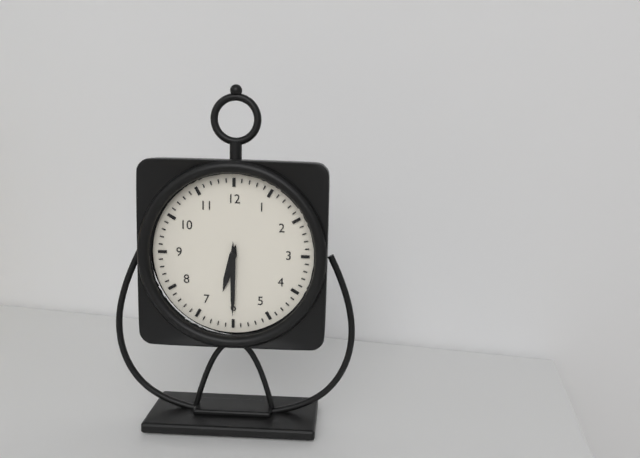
6:30
